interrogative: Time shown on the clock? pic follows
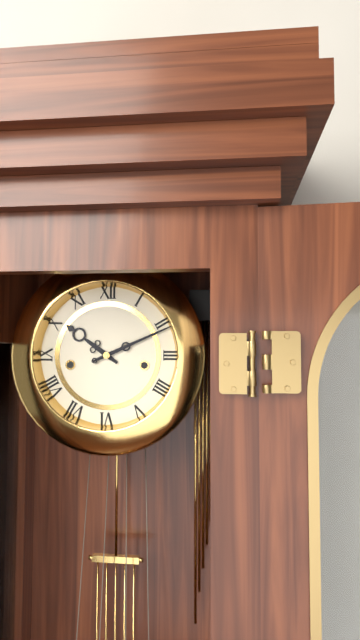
10:11
